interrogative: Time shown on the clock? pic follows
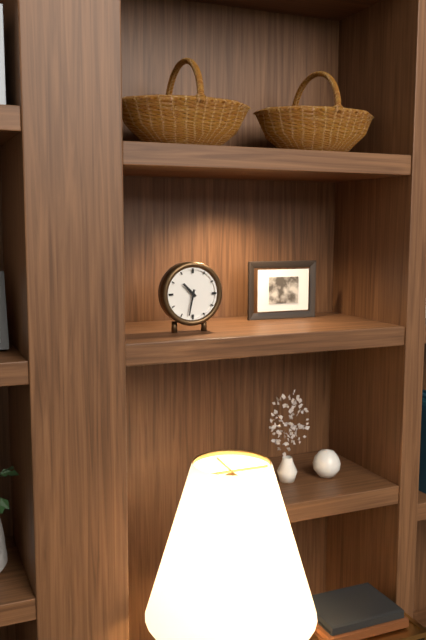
10:32
